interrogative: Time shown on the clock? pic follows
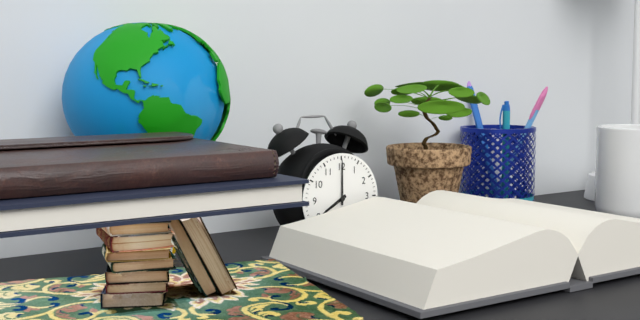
8:00
